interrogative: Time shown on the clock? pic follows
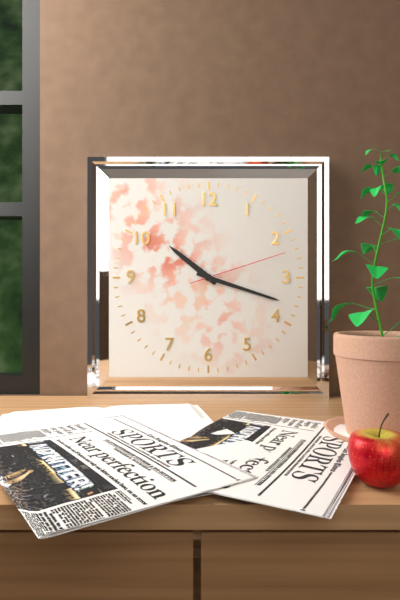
10:18:12
